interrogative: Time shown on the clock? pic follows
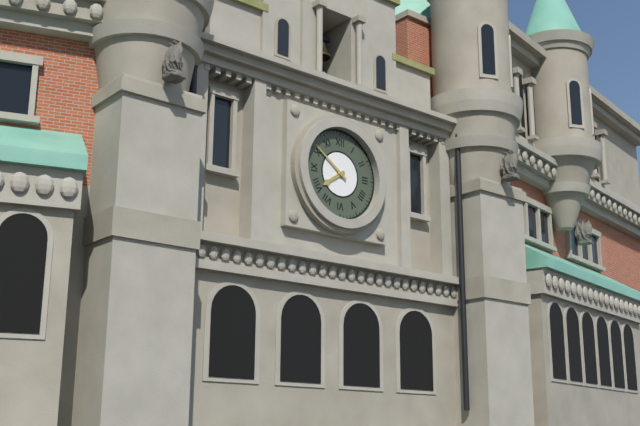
7:51
